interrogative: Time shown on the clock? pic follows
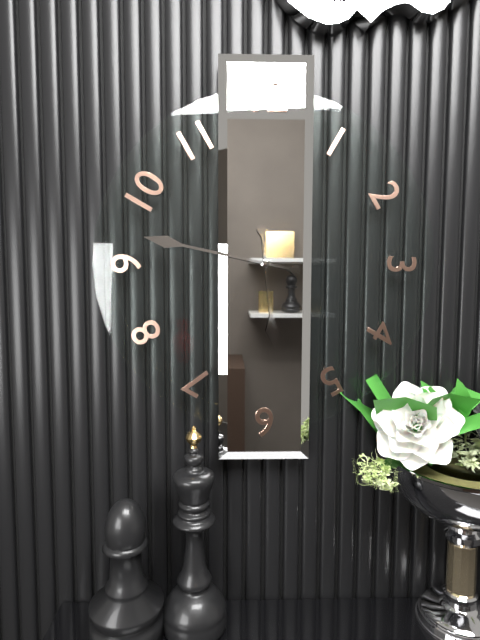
5:47
